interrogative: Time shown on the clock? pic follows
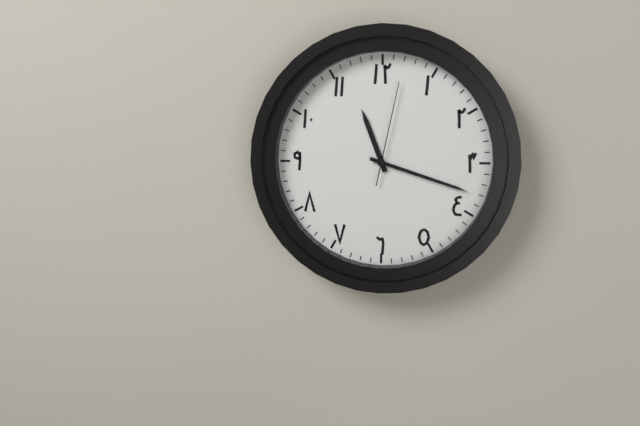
11:18:02
